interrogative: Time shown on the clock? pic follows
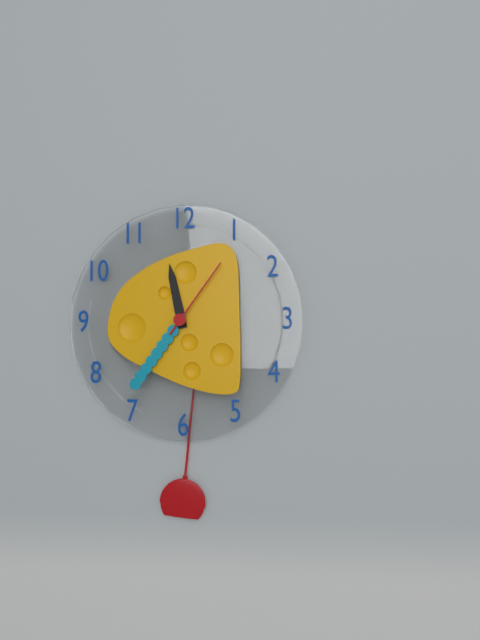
11:36:06
